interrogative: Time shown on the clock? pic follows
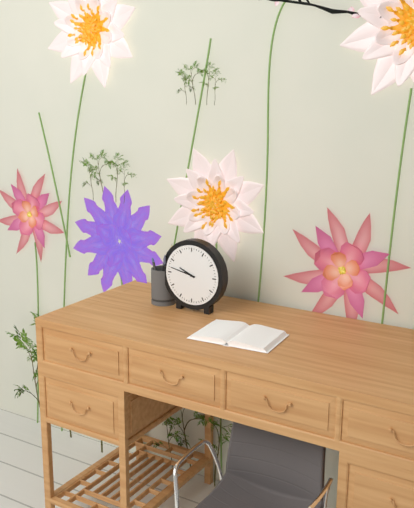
9:47
